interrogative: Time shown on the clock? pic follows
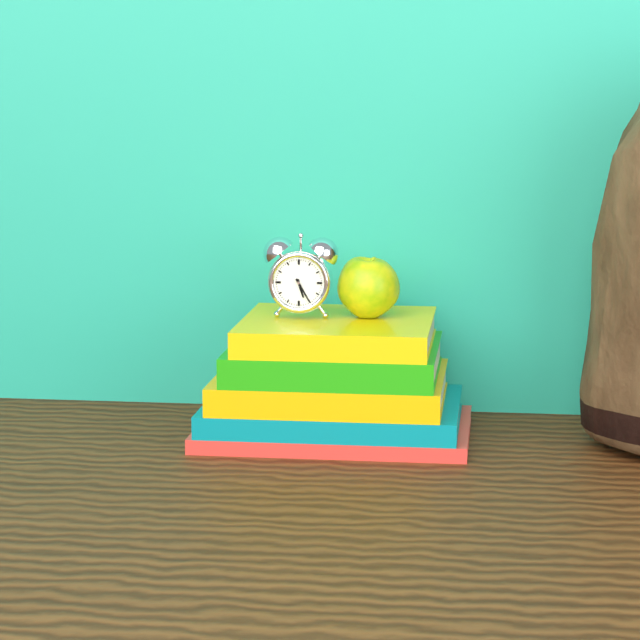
5:25
